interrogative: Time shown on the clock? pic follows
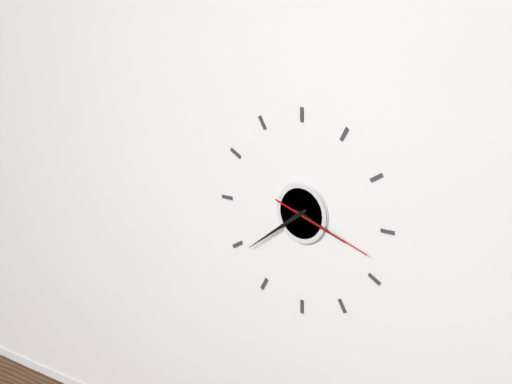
3:39:18
